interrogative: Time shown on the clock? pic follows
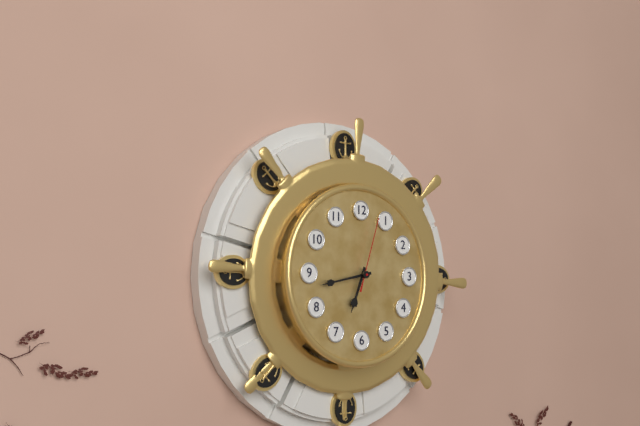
6:43:03
